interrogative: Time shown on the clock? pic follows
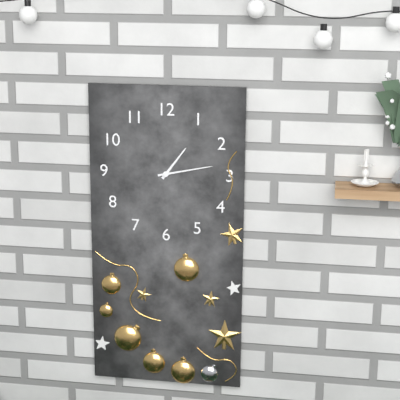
1:13
